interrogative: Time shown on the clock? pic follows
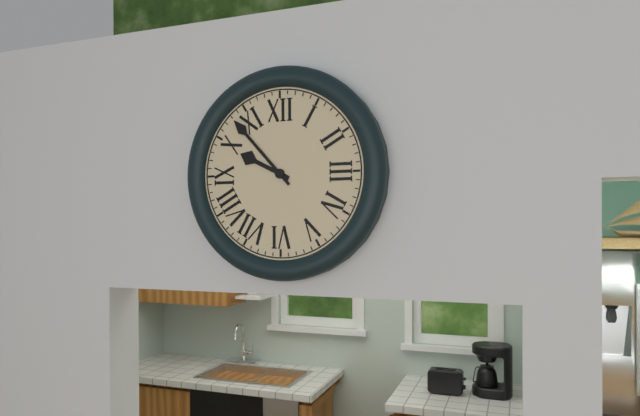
9:53
